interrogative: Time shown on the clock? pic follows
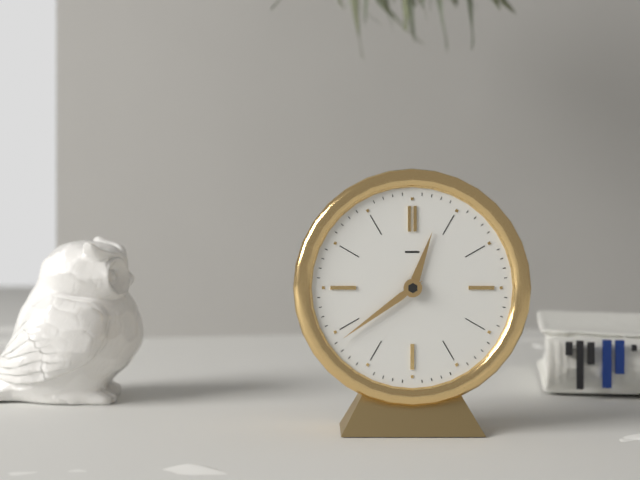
12:39
